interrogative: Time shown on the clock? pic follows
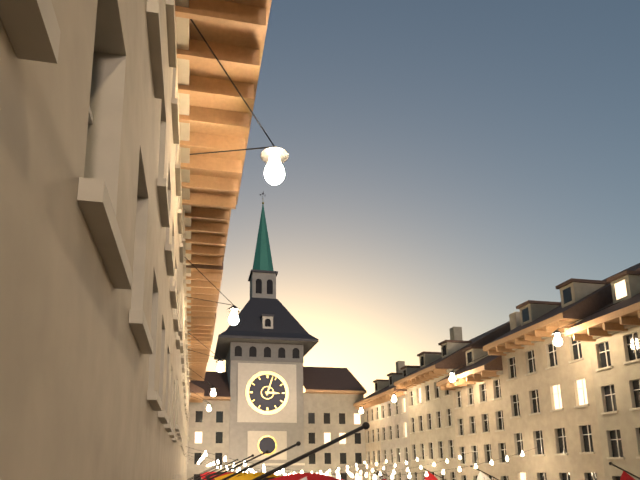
3:03
